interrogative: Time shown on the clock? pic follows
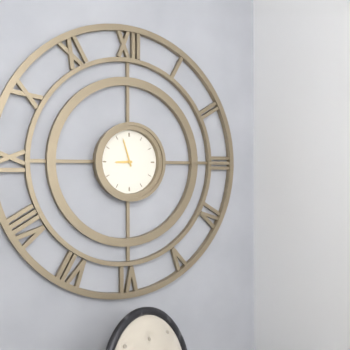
8:57
